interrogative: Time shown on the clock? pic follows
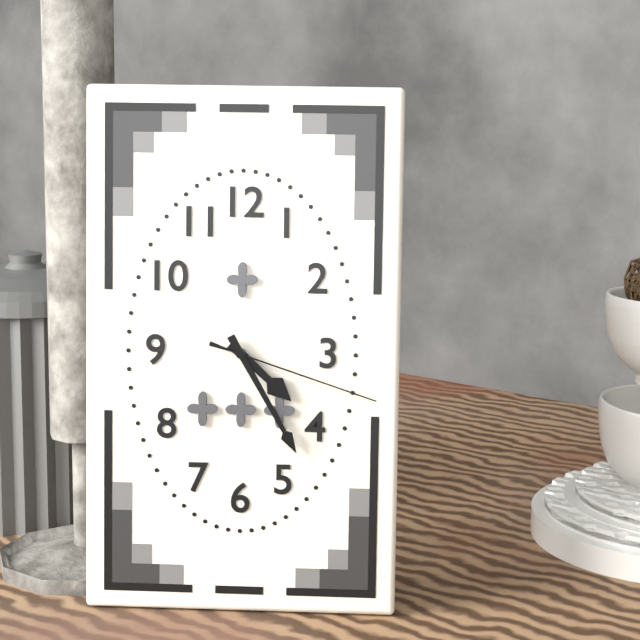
4:25:18
